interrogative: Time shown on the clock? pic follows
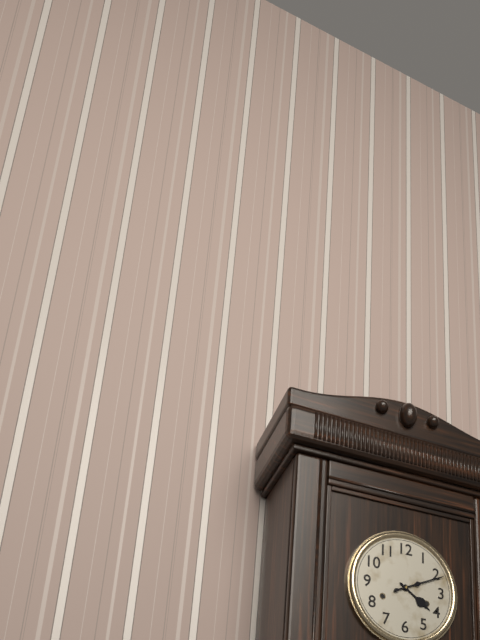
4:11
